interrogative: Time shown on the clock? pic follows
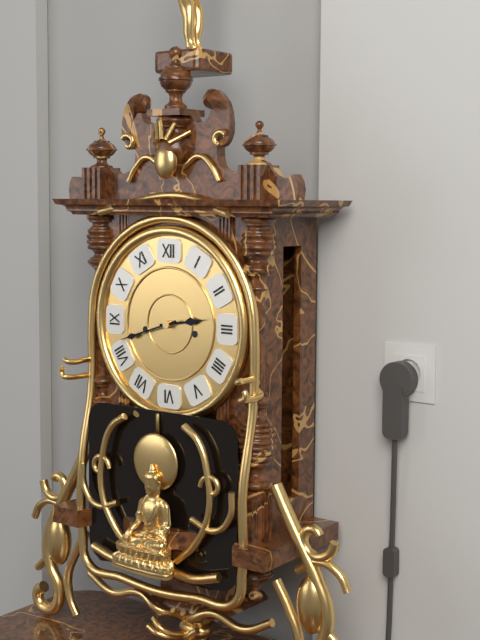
2:42
